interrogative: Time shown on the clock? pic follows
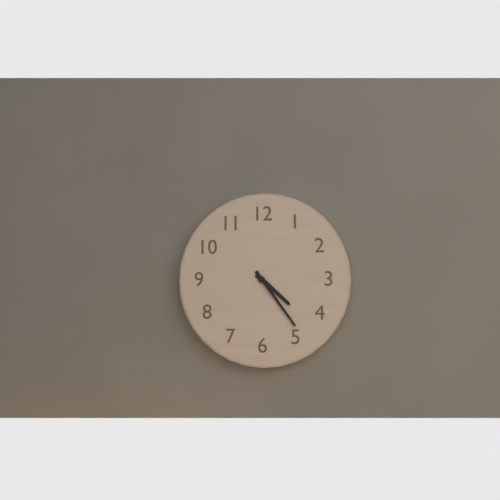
4:24
